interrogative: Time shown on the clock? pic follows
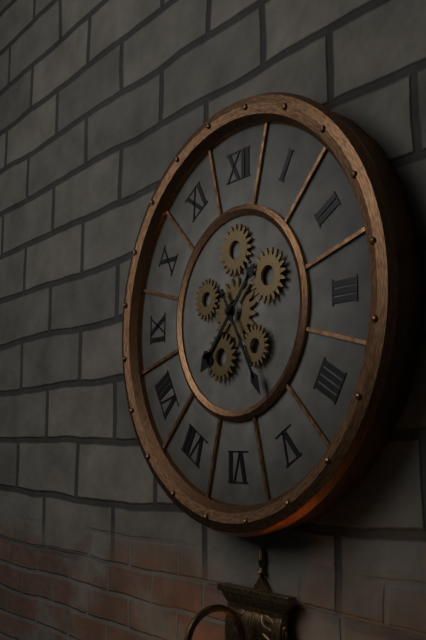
7:25
